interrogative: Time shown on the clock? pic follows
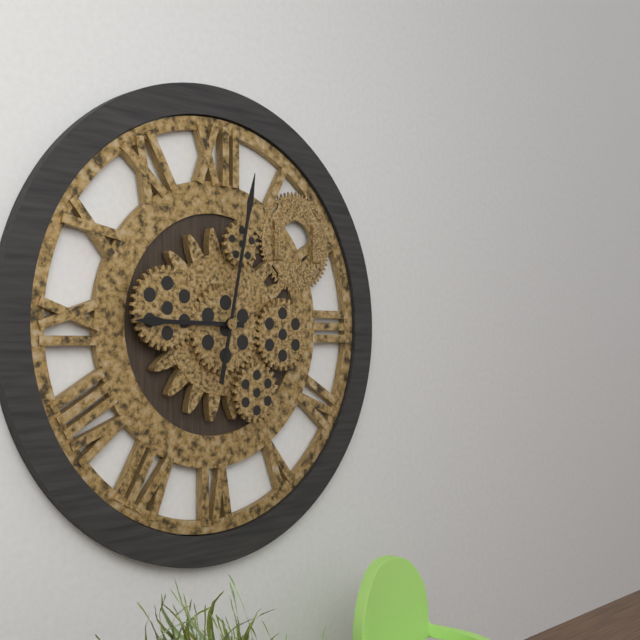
9:02
